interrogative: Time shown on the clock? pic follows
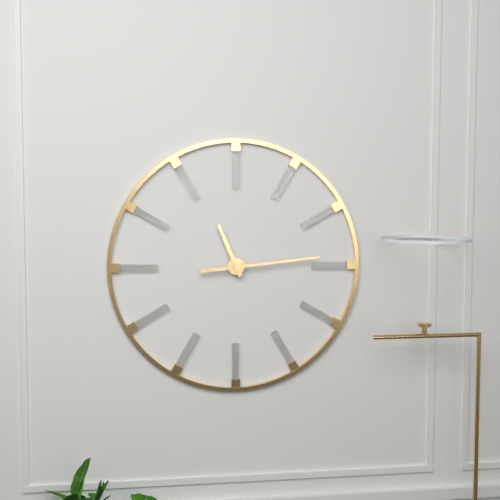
11:14
